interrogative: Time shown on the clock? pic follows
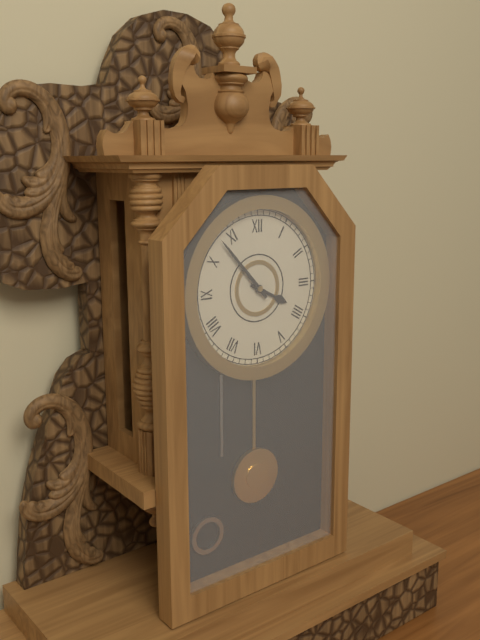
3:53
